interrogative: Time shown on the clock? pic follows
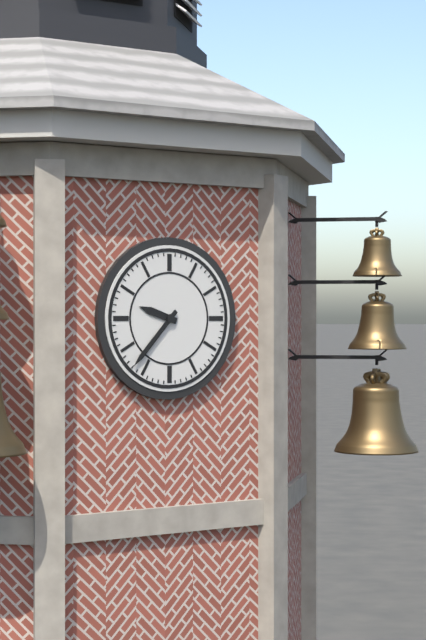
9:37
